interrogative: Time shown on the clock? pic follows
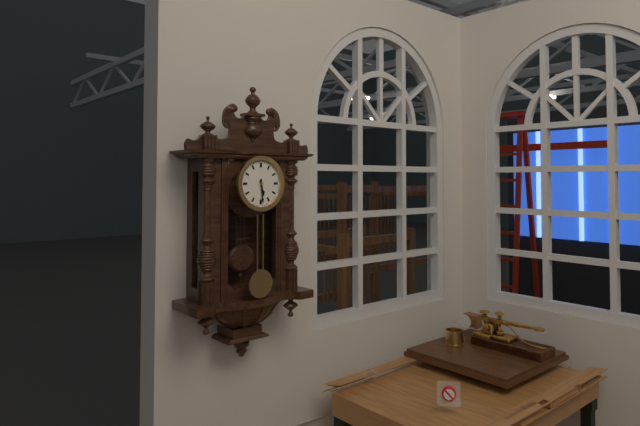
5:29
